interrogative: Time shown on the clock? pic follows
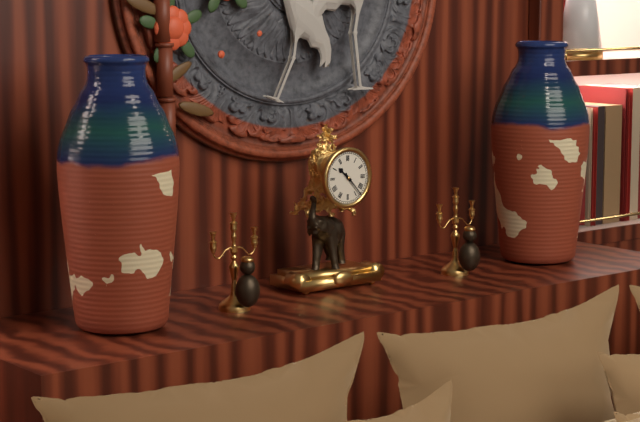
10:23
